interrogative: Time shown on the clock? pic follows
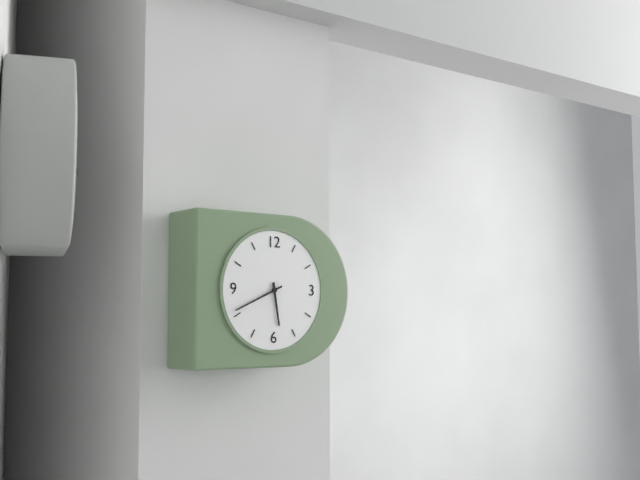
5:41
